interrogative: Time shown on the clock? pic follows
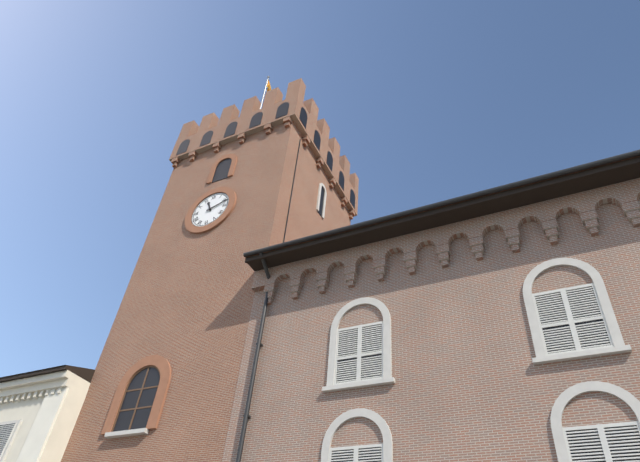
11:12
